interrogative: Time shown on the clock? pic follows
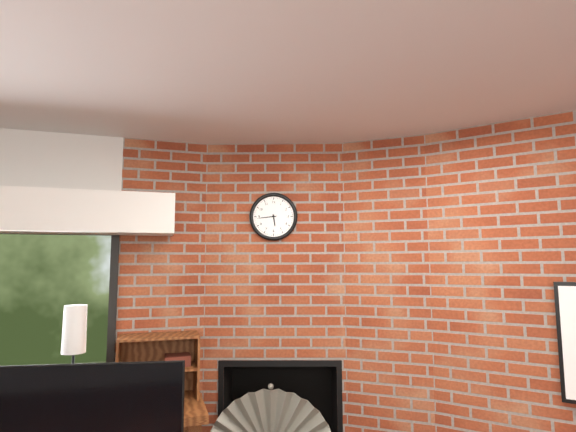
5:44
